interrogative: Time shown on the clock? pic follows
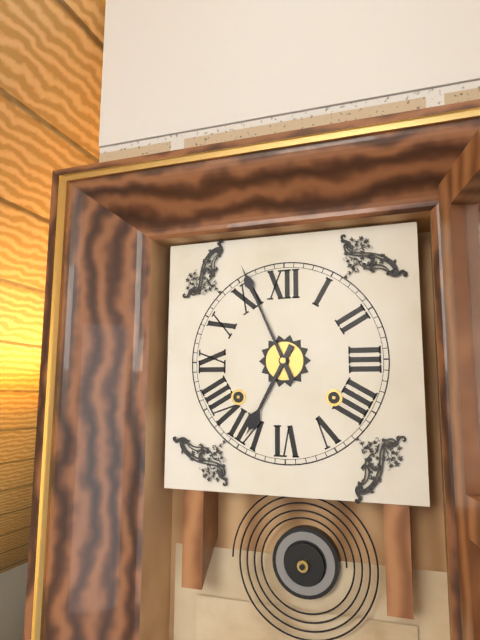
6:56
